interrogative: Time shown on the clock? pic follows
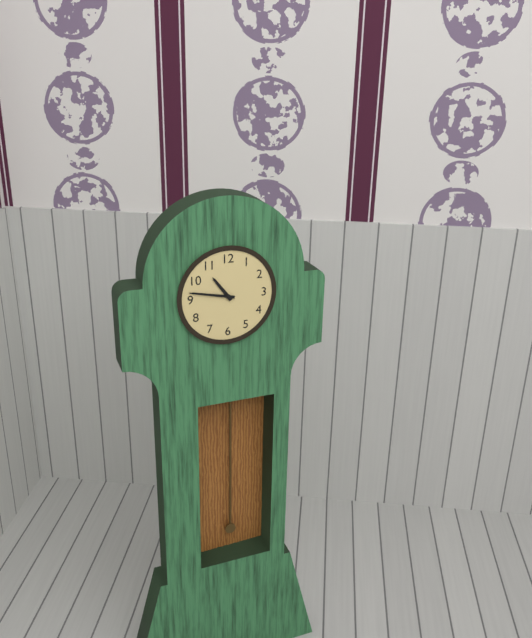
10:47
